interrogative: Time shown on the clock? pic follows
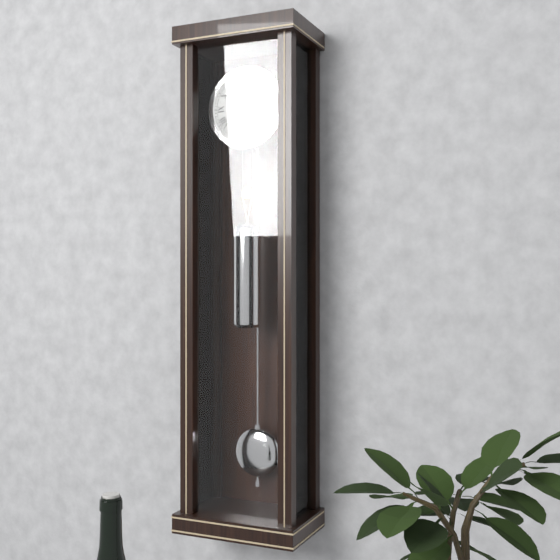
4:25
